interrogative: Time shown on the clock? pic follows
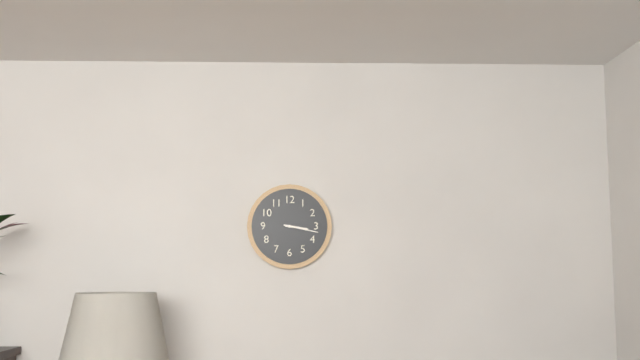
3:17
